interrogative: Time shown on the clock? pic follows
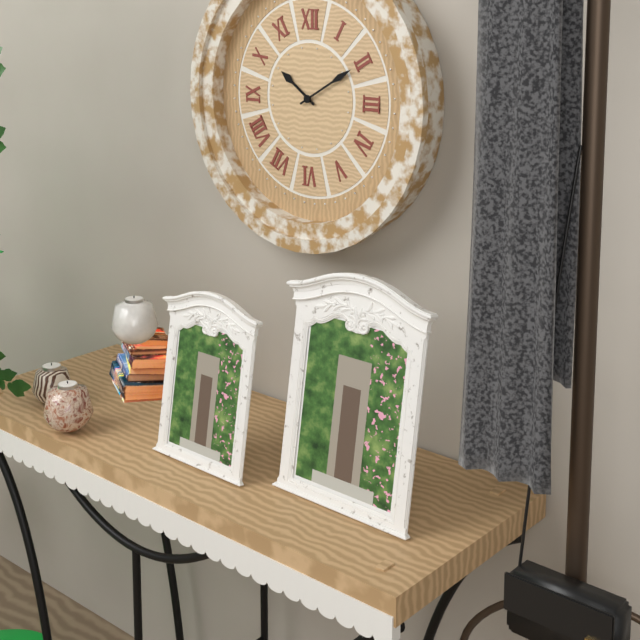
10:10
